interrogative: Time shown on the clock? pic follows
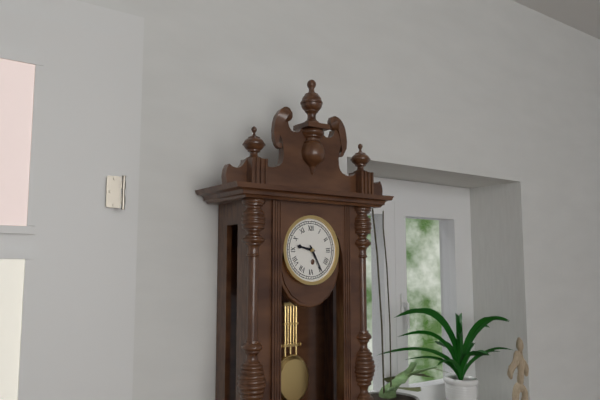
9:25
